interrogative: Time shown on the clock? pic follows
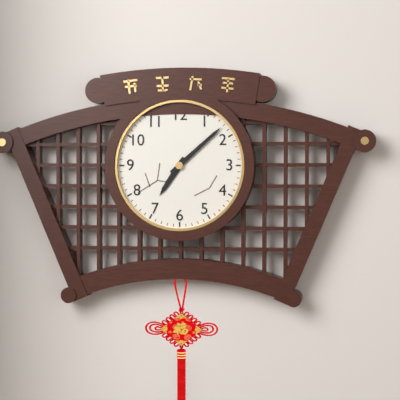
7:08
